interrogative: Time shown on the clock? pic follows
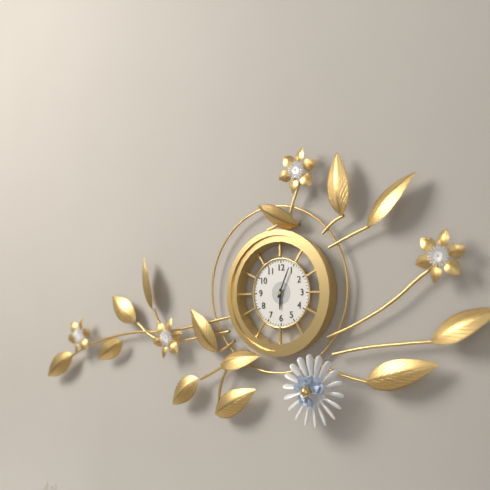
6:04
